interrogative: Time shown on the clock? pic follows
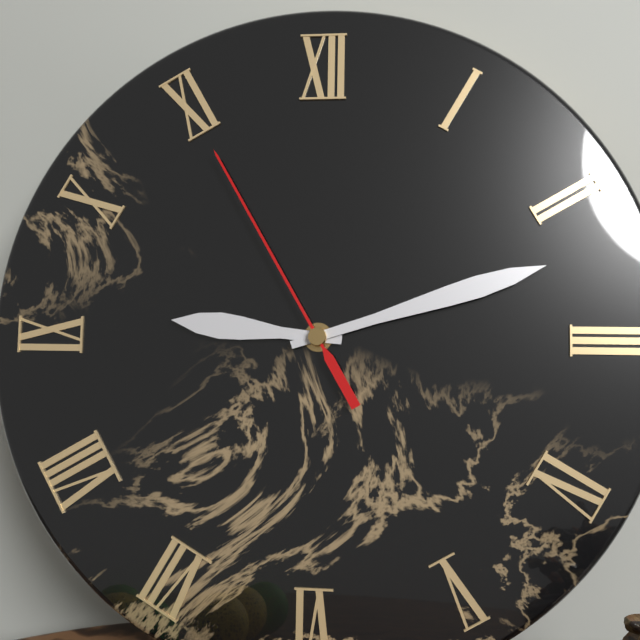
9:12:55
